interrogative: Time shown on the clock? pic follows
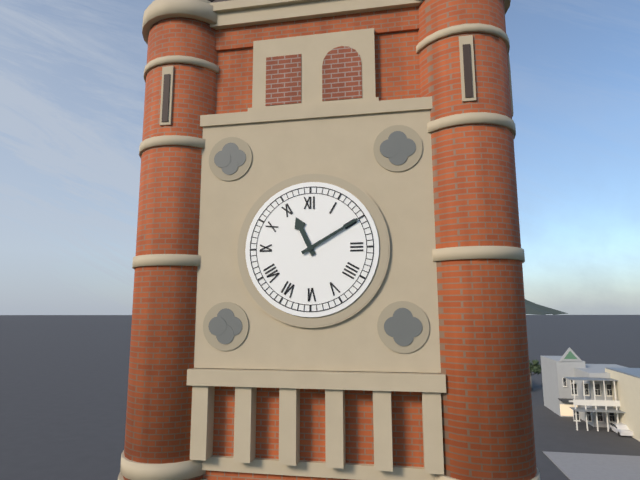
11:10
